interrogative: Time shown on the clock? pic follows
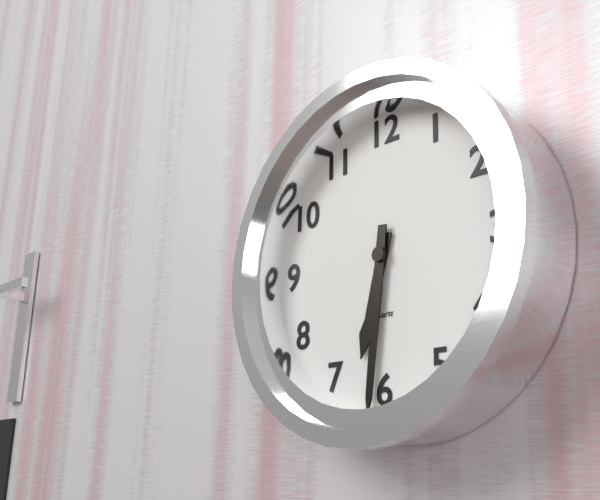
6:31
